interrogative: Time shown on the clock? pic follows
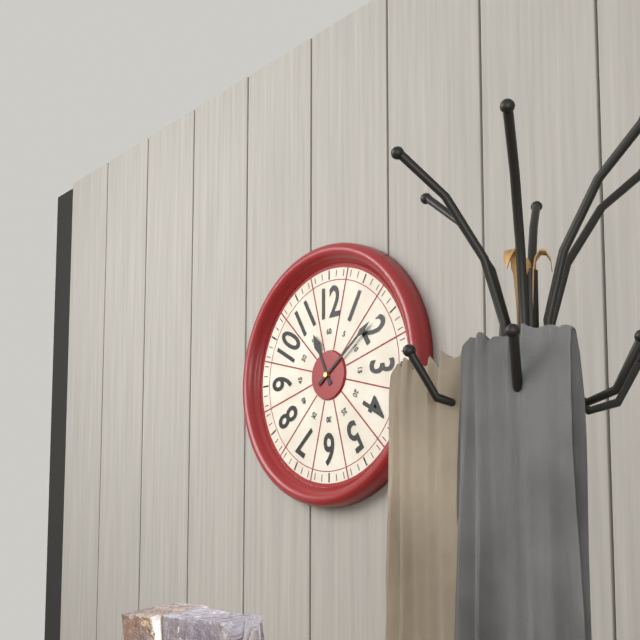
11:09
